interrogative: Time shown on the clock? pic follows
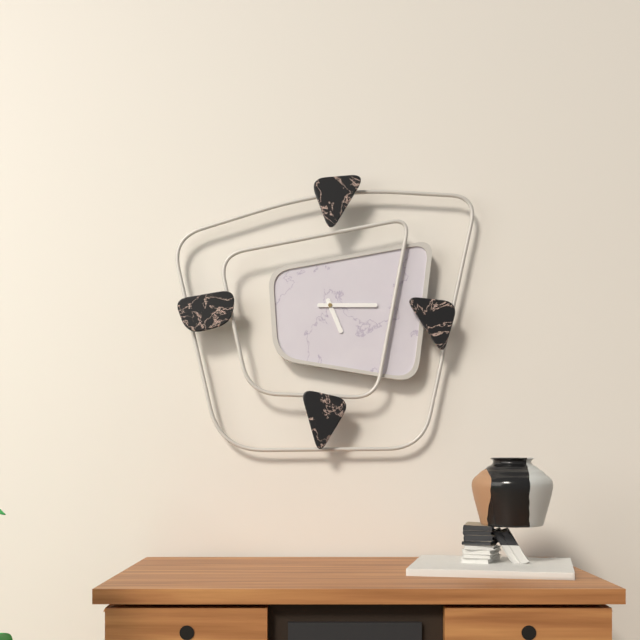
5:15
